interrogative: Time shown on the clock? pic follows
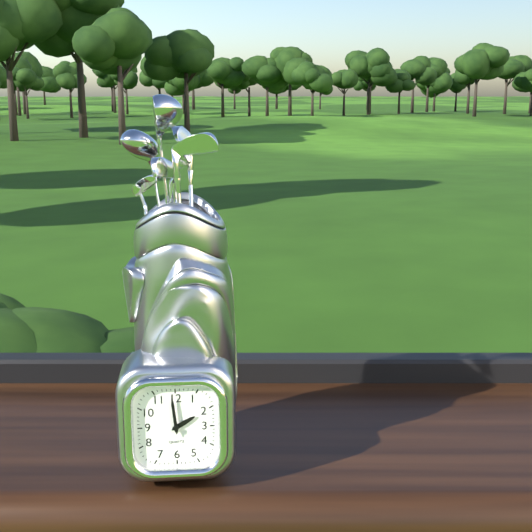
1:59
